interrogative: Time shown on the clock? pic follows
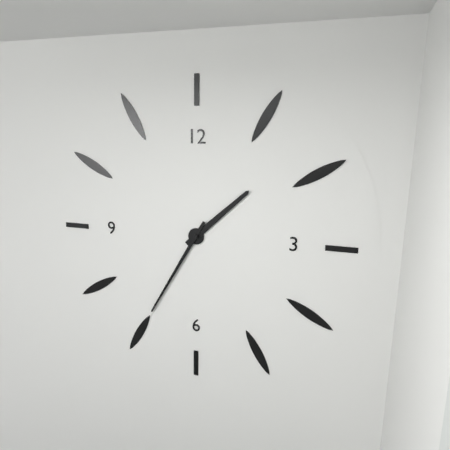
1:35
